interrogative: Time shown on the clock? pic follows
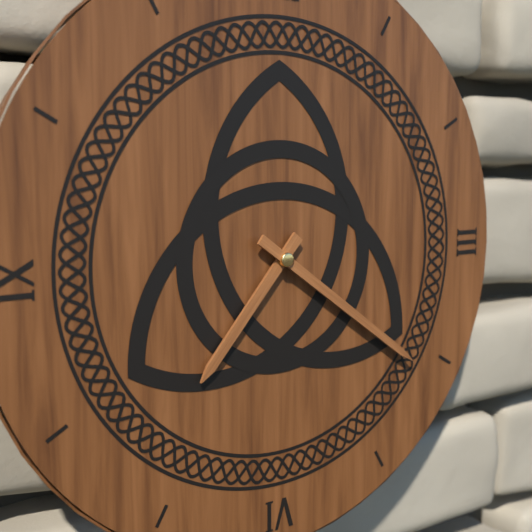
7:21
